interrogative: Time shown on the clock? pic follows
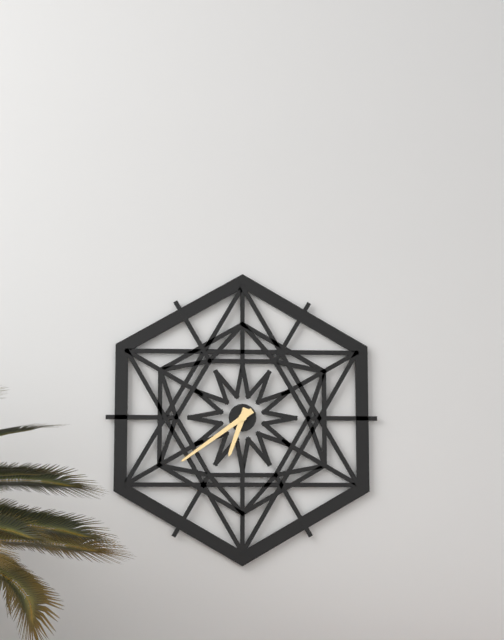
6:39
